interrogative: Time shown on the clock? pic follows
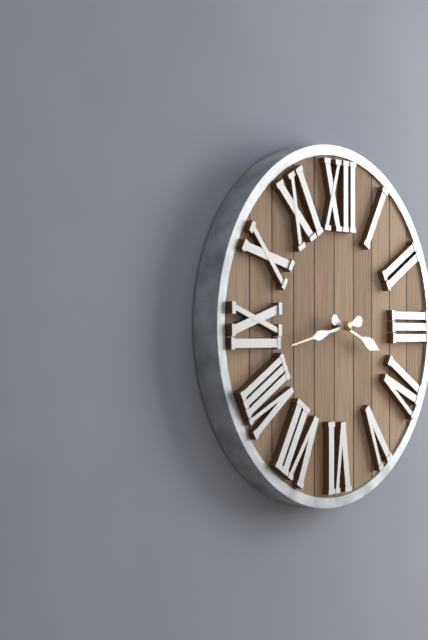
3:43
